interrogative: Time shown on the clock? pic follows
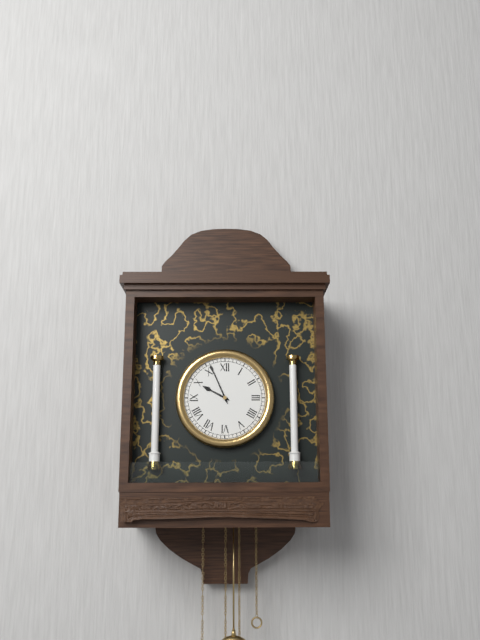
9:56
